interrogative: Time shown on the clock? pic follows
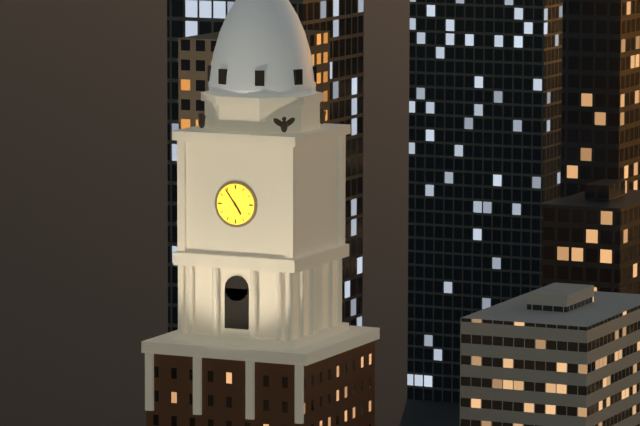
4:54
